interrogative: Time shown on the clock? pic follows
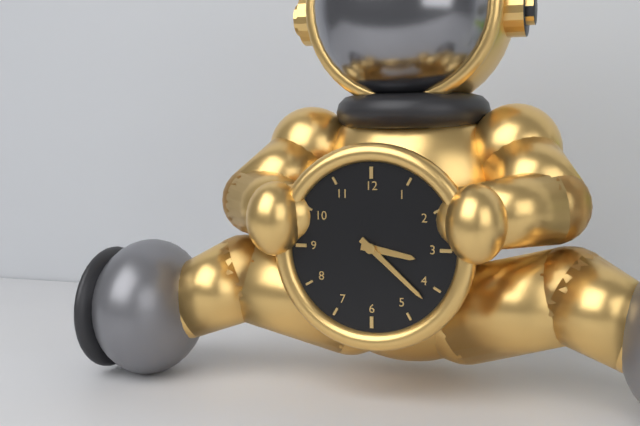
3:22
